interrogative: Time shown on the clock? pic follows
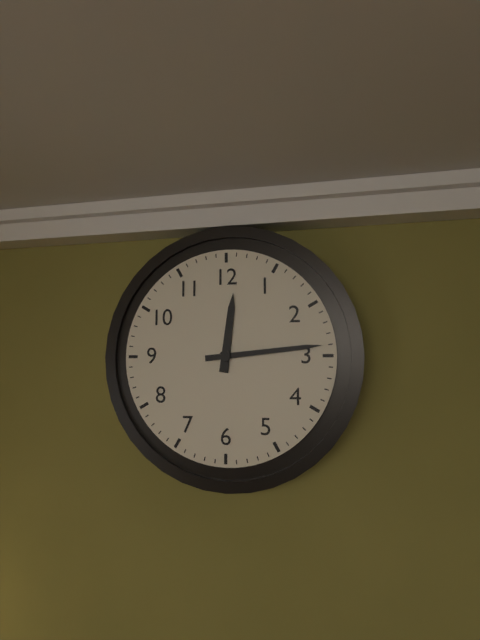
12:14
